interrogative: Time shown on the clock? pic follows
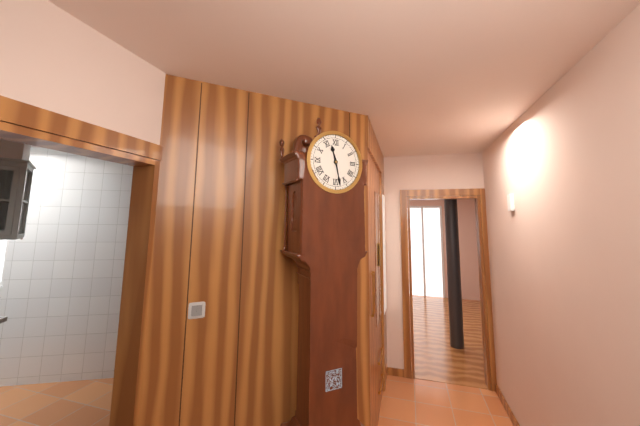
11:28
